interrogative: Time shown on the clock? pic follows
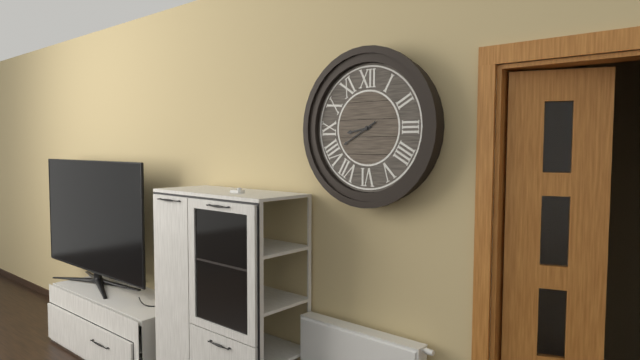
8:40
